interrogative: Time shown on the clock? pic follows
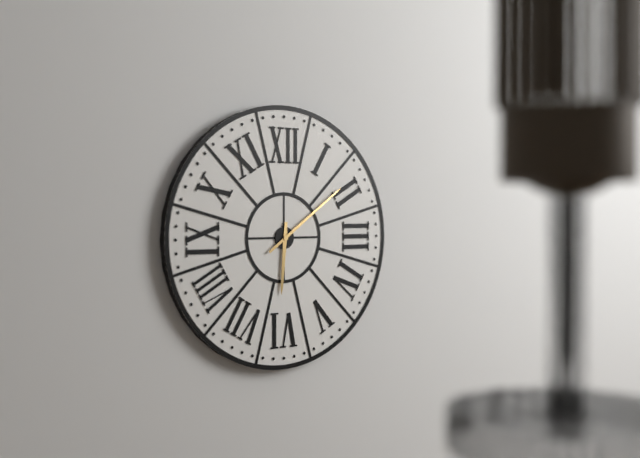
6:09
